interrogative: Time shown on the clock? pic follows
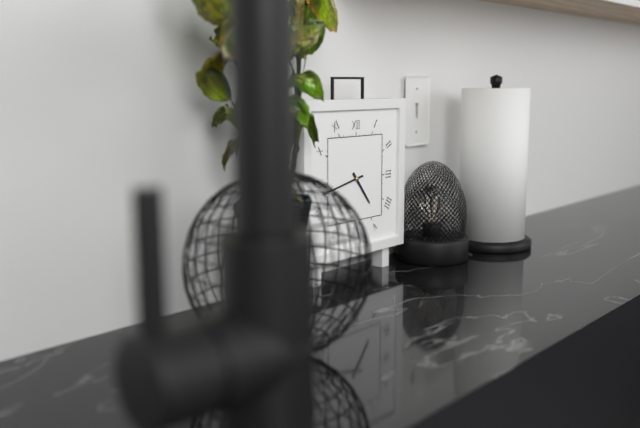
4:43
